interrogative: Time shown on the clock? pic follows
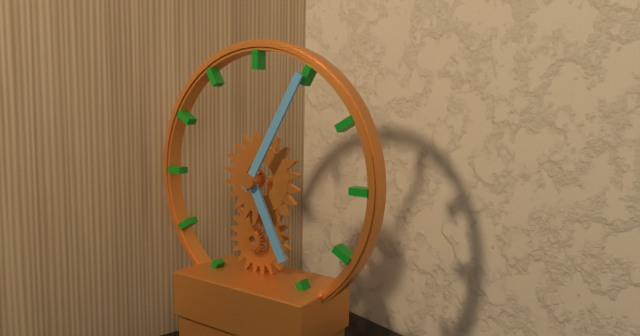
5:05
